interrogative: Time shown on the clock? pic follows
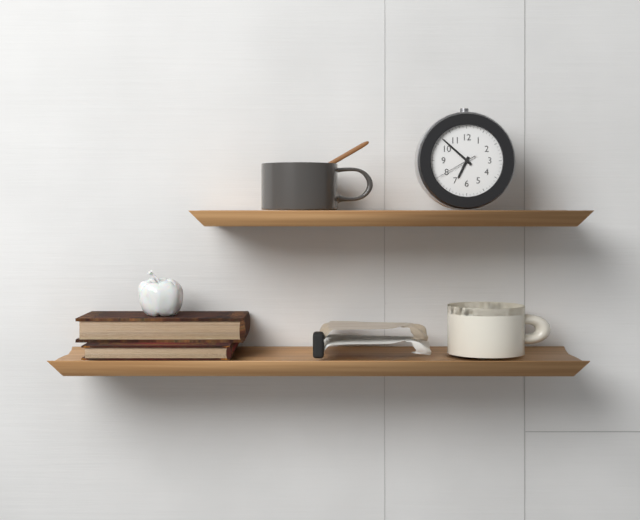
6:52
